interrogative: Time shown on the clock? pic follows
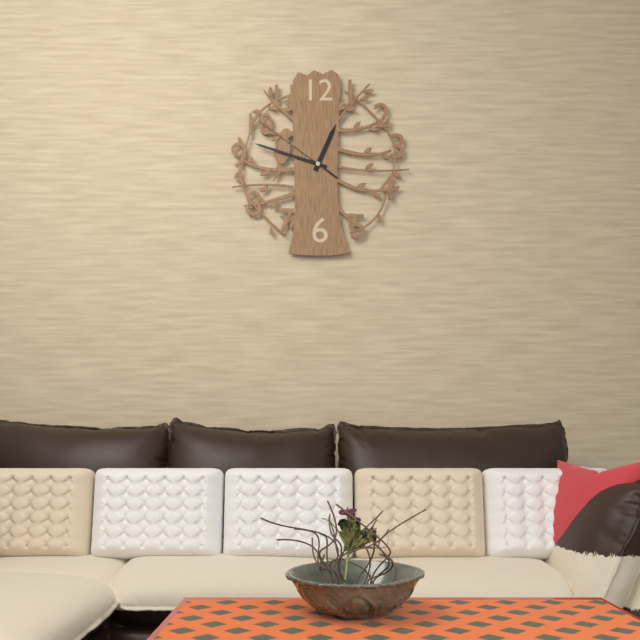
12:48:51
